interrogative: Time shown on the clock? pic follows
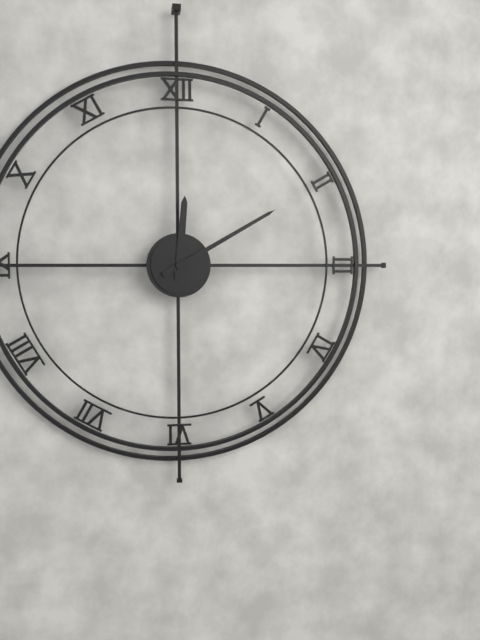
12:10
